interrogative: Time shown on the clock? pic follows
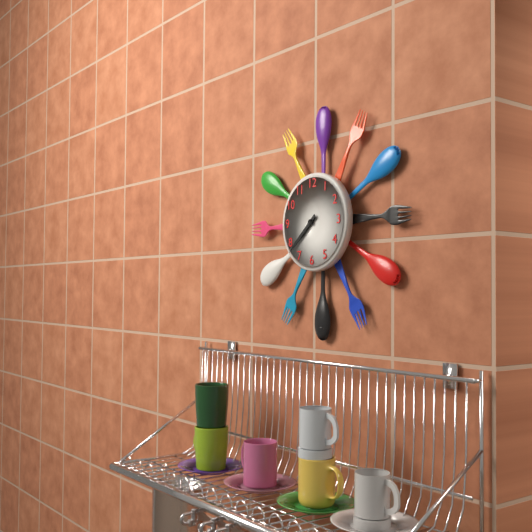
7:38
